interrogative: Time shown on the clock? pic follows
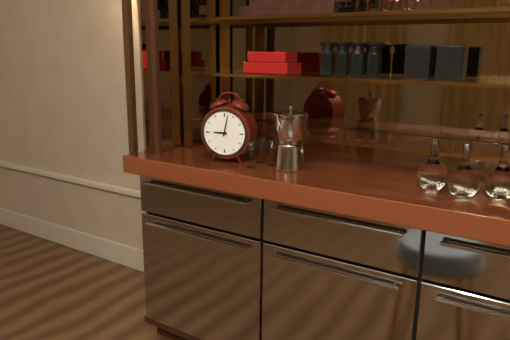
9:02
